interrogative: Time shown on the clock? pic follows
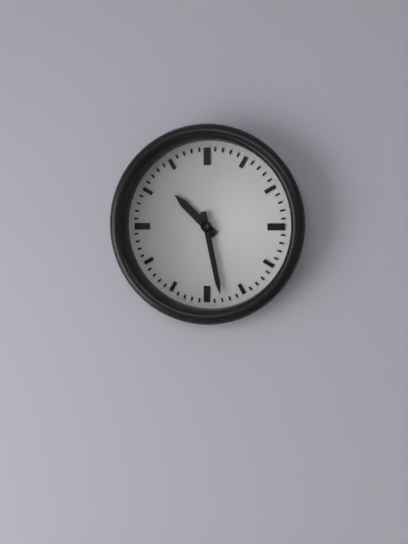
10:28
